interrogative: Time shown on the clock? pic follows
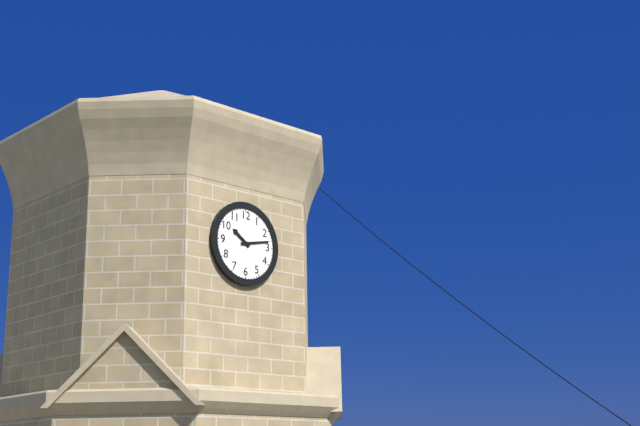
10:13
